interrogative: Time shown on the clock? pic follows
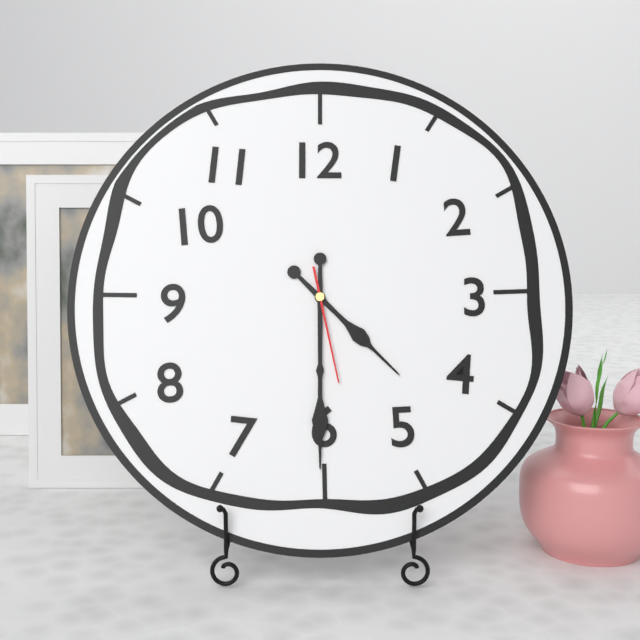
4:30:28
